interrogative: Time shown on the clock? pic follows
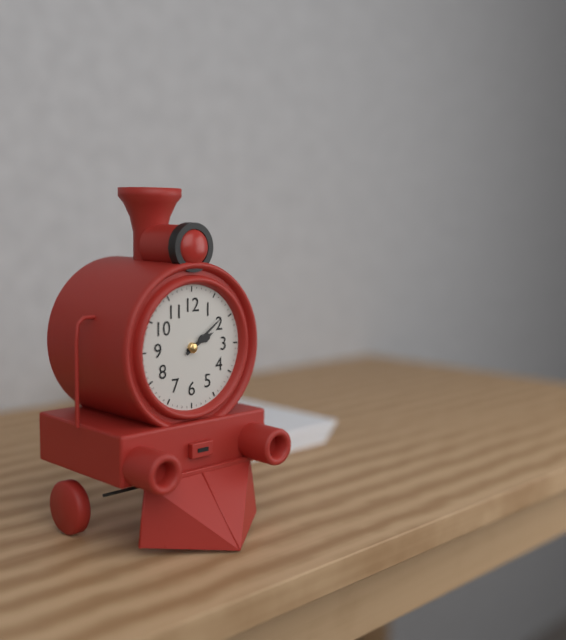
2:09
